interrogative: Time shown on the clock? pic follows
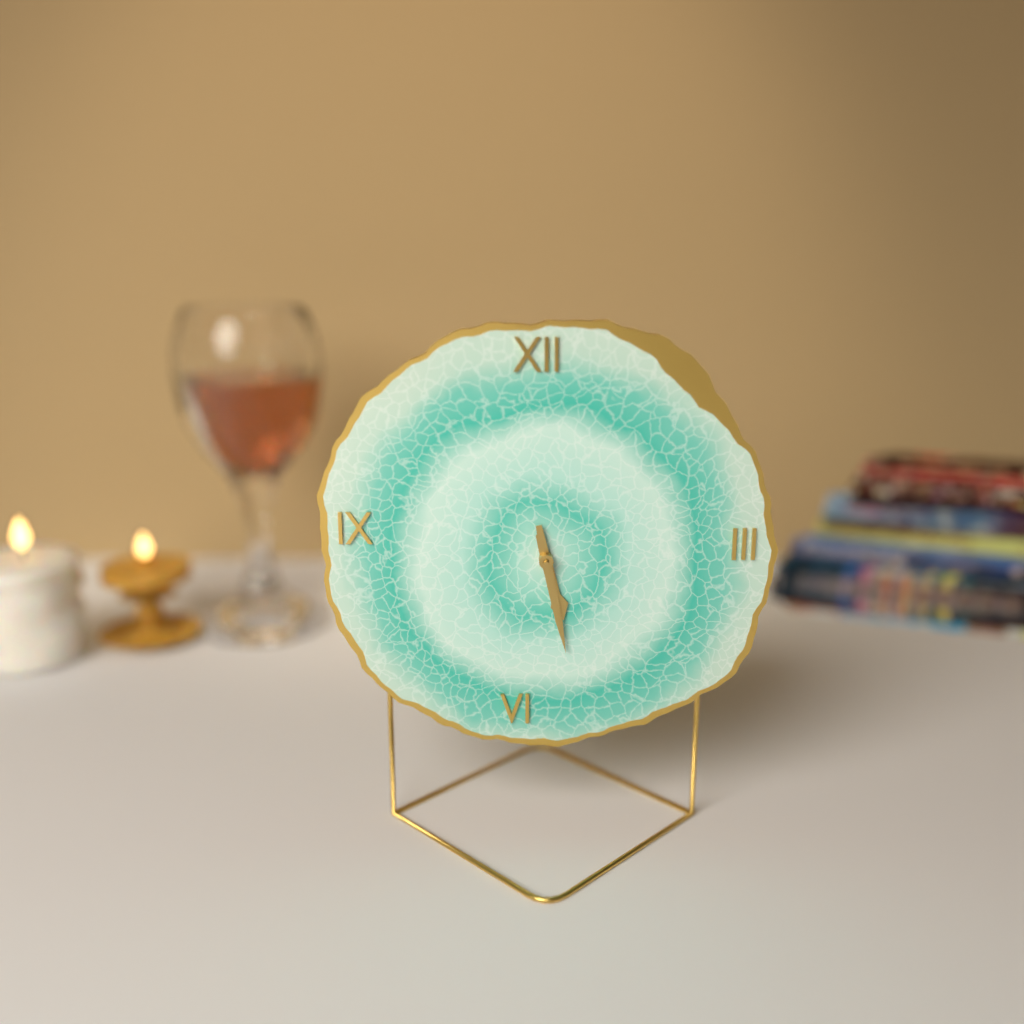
5:28
